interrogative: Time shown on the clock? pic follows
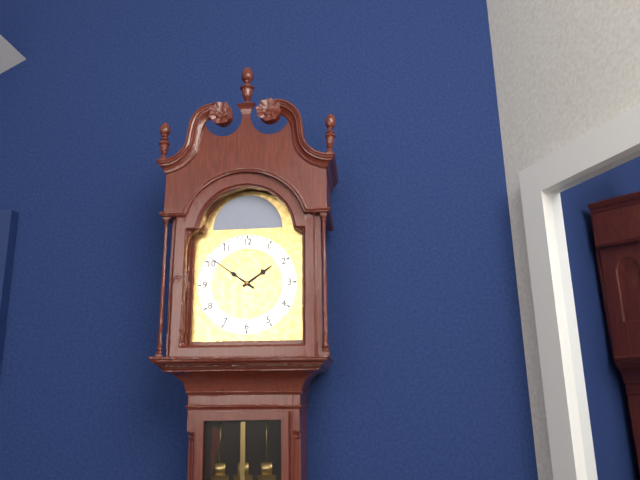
1:51
